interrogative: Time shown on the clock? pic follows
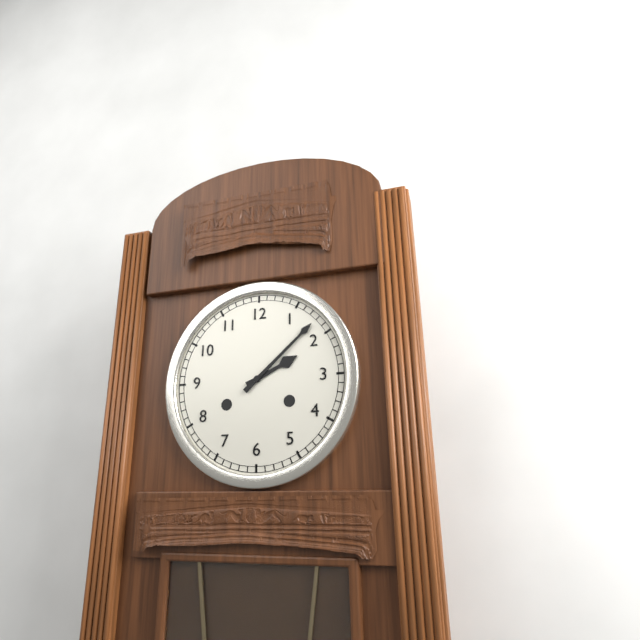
2:08
